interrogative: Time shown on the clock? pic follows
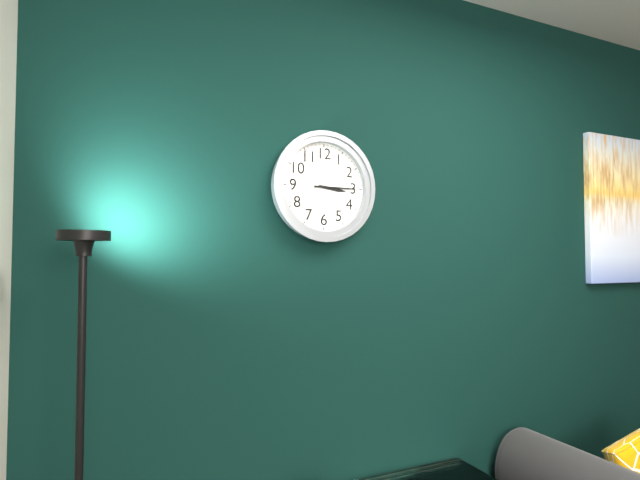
3:15
